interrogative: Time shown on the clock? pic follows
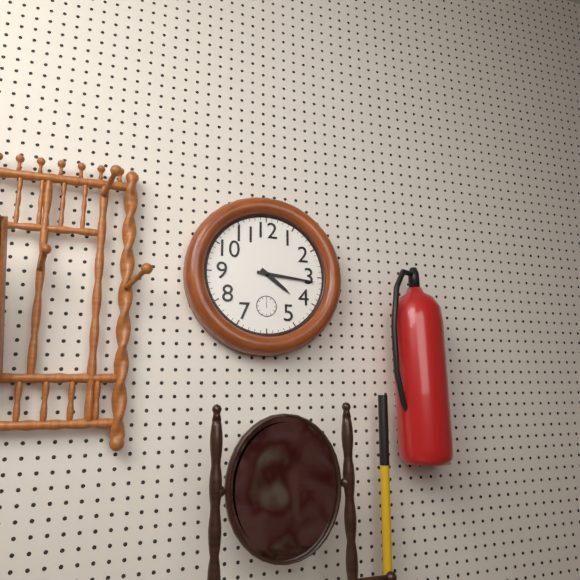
4:16
